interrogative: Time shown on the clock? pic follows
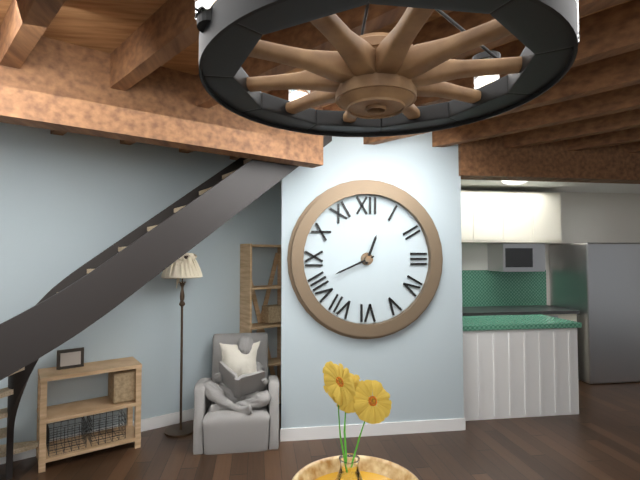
12:41
